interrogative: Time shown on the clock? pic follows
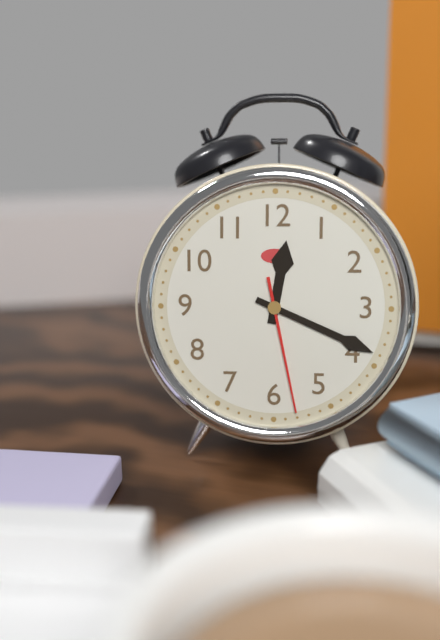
12:19:28
